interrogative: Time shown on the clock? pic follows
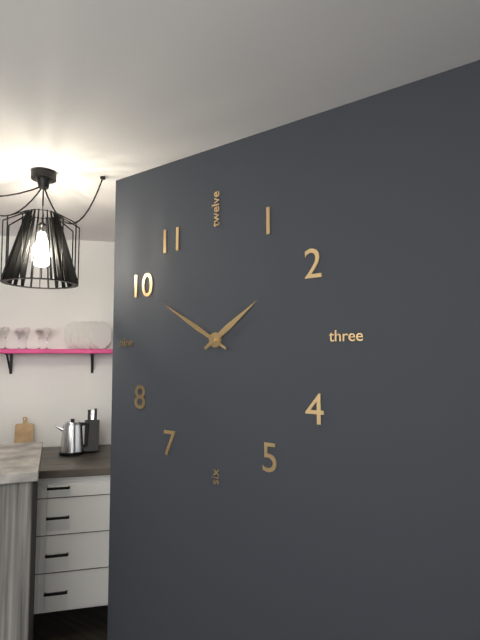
1:50
